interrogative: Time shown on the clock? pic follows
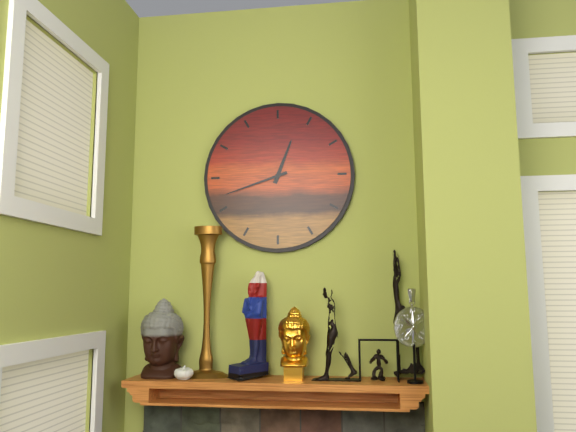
12:42
